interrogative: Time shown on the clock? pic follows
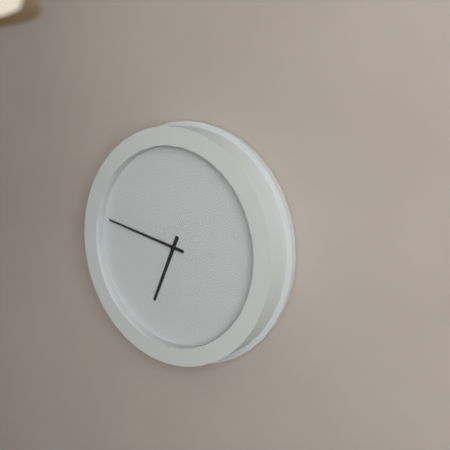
6:47
